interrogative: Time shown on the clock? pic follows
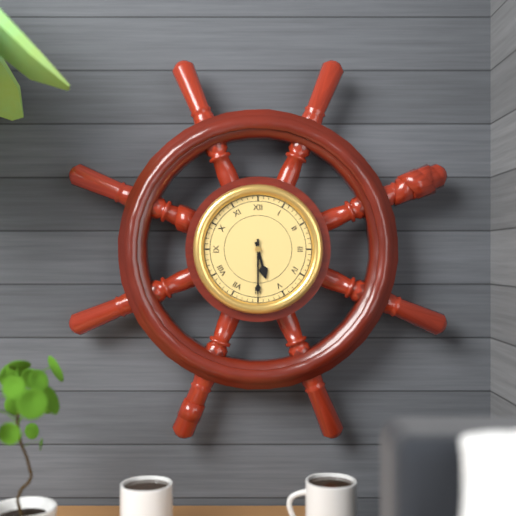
5:30
